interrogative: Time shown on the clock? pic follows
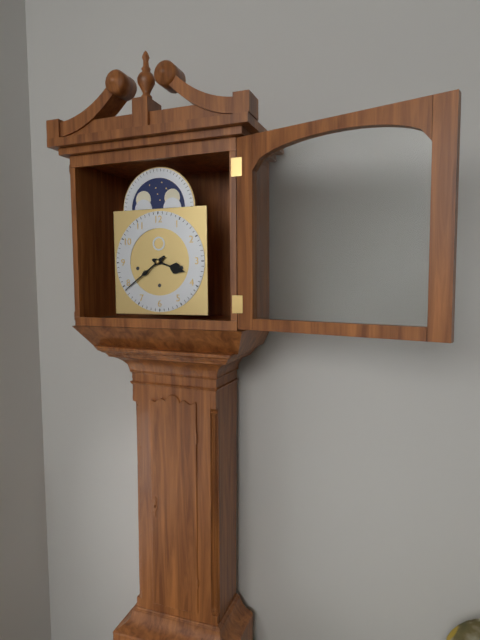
3:39
